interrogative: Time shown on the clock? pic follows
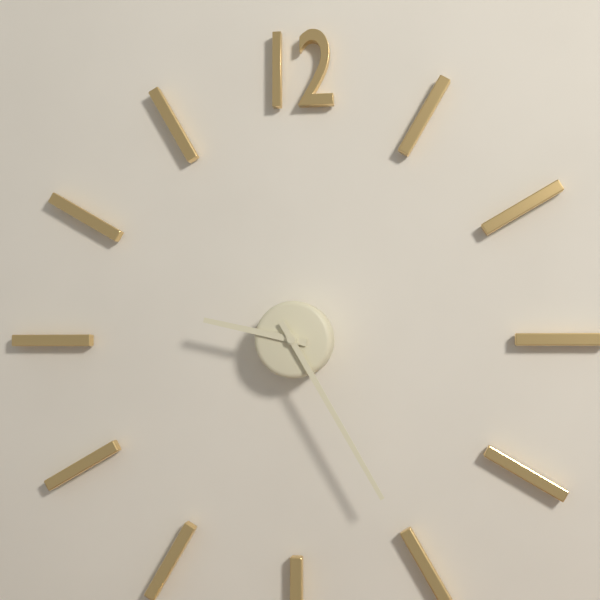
9:25
